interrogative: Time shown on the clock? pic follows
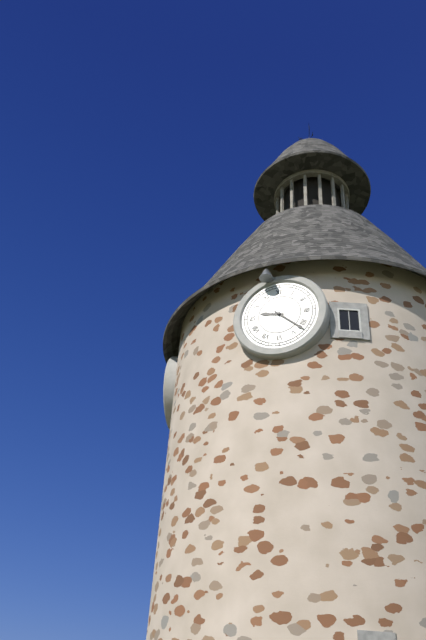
9:22
